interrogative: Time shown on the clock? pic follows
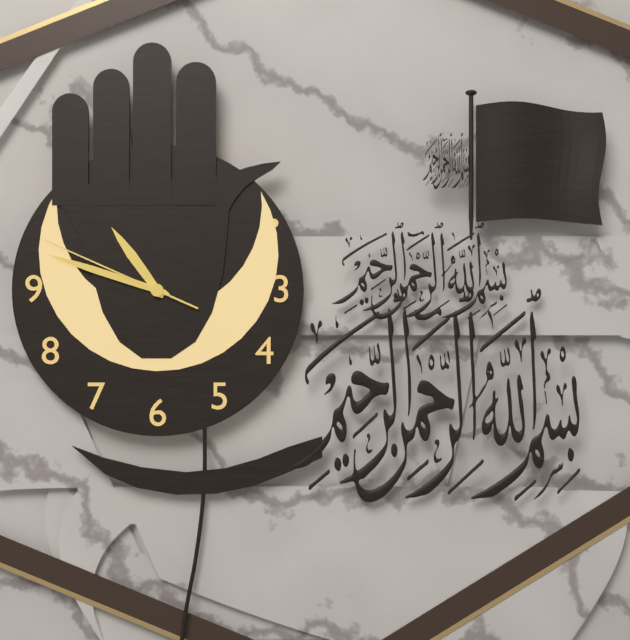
10:48:49
